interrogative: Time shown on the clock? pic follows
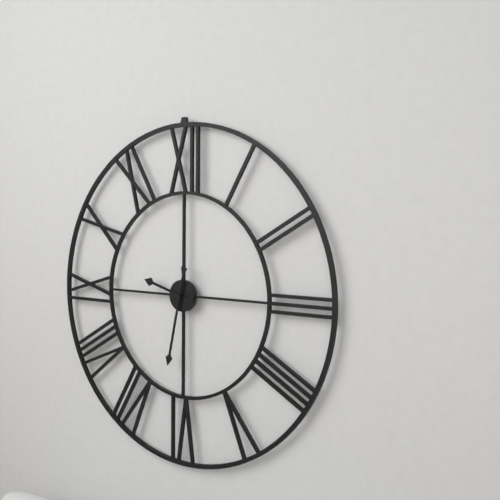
9:32
